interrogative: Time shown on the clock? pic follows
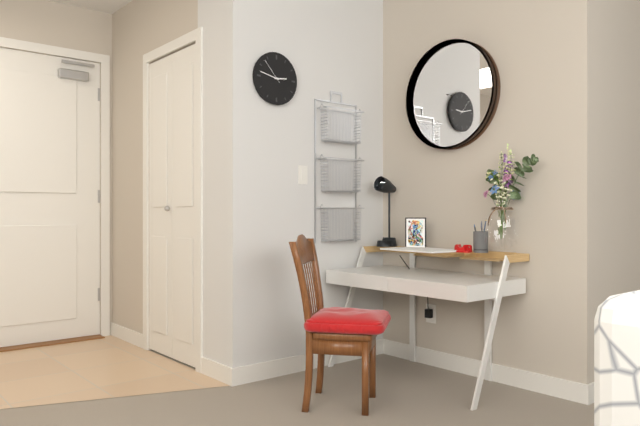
2:47
